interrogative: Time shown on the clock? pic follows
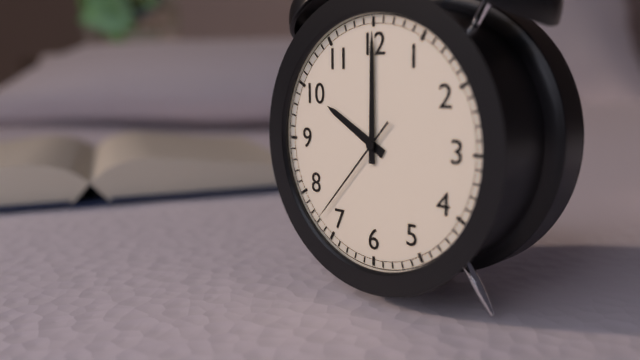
10:00:37
